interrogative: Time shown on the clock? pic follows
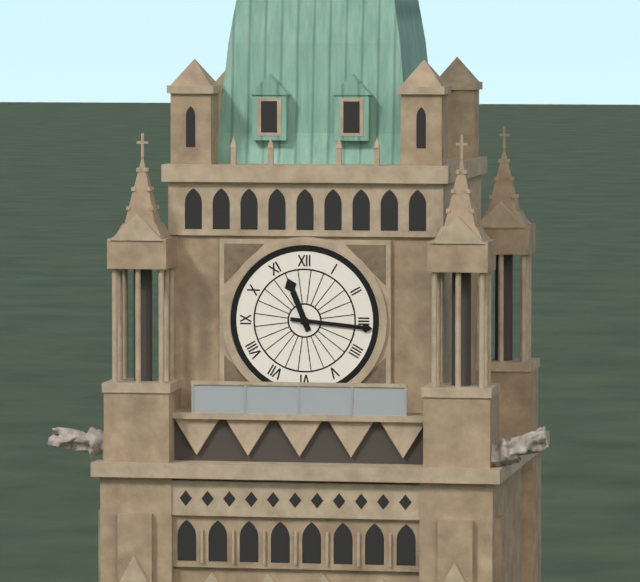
11:16
